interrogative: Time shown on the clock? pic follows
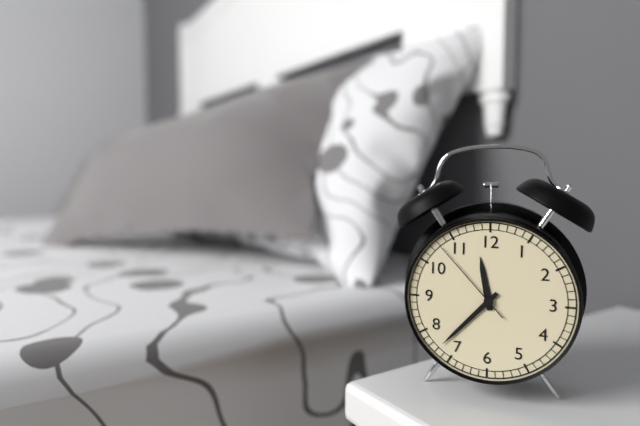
11:37:53
